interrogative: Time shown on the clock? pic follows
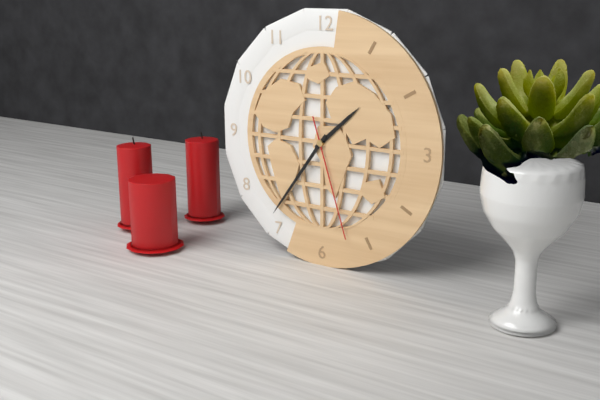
1:36:27
